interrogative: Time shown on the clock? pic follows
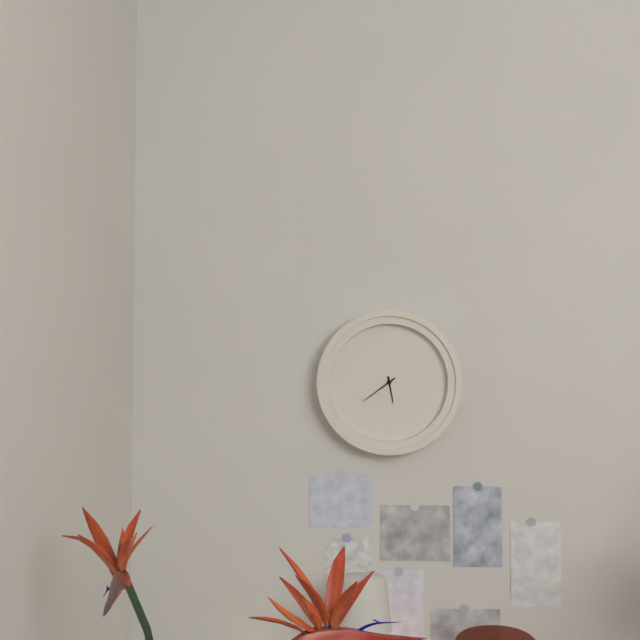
5:39
